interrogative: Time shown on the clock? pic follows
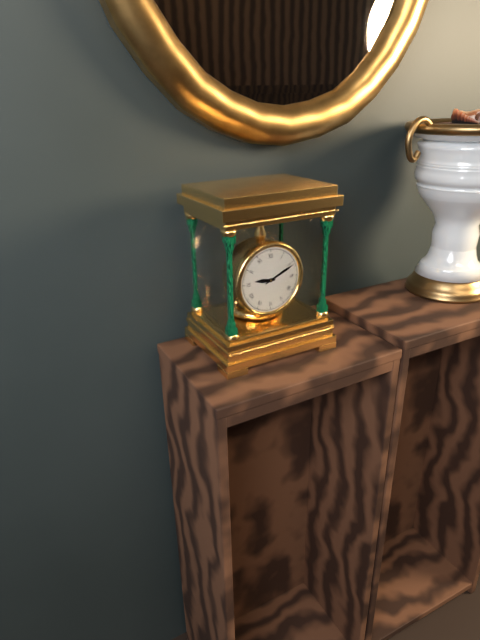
9:11
